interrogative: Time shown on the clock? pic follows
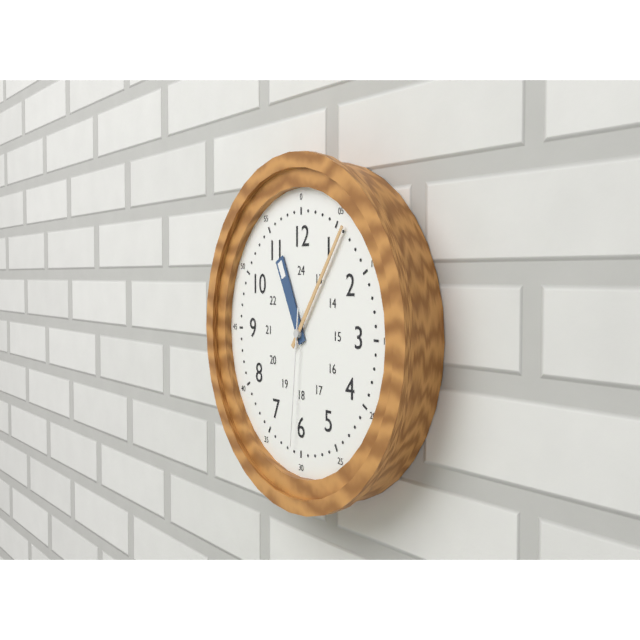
11:06:31
